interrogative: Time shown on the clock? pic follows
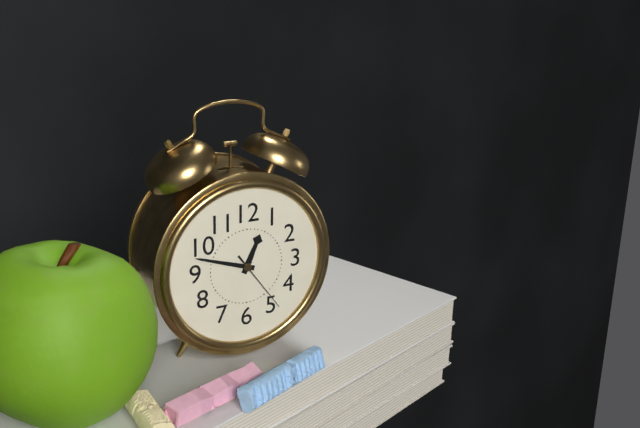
12:48:24
